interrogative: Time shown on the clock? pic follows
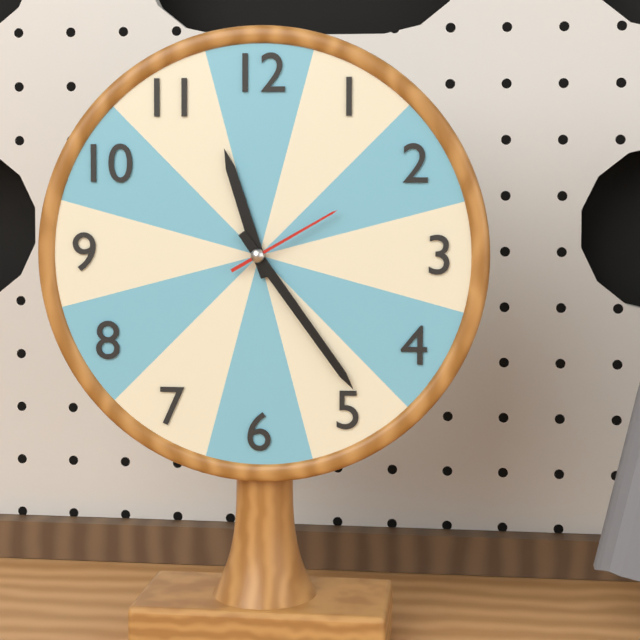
11:24:10
